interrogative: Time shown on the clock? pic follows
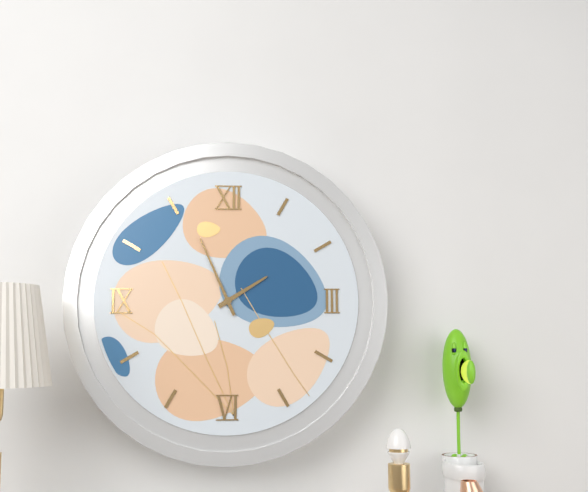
1:56
